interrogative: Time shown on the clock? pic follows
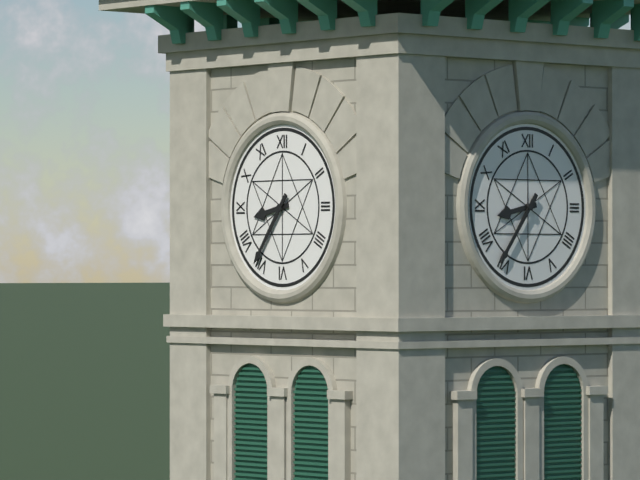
8:36
